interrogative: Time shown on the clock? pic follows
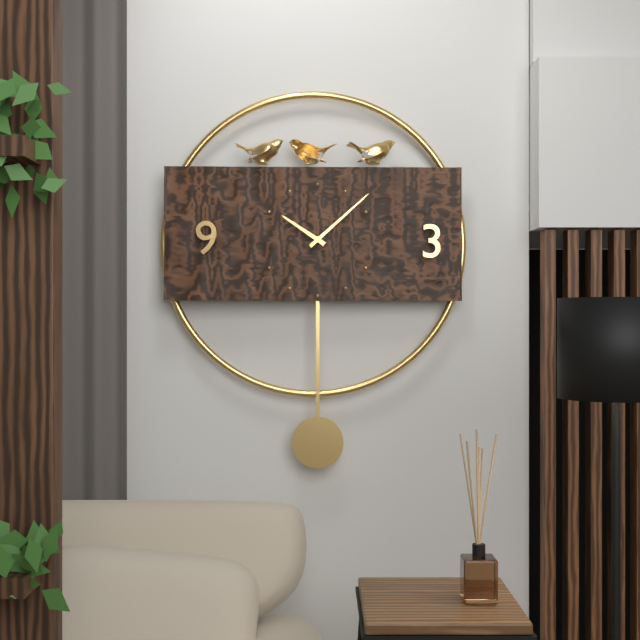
10:08
